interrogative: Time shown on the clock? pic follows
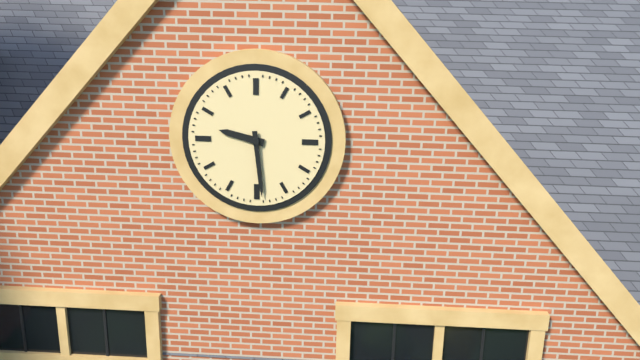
9:29
